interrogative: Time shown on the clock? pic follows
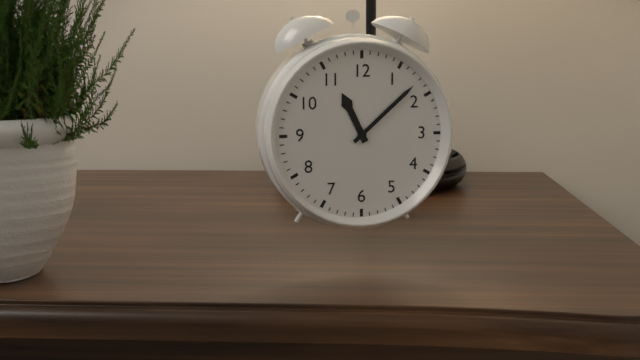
11:08
